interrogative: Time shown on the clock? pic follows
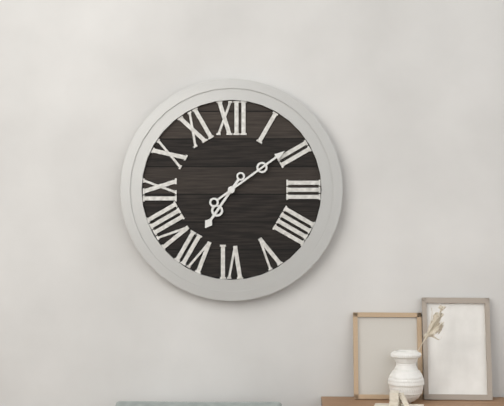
7:09
